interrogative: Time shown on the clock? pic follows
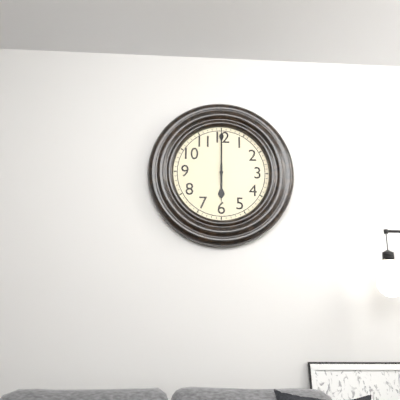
6:00
